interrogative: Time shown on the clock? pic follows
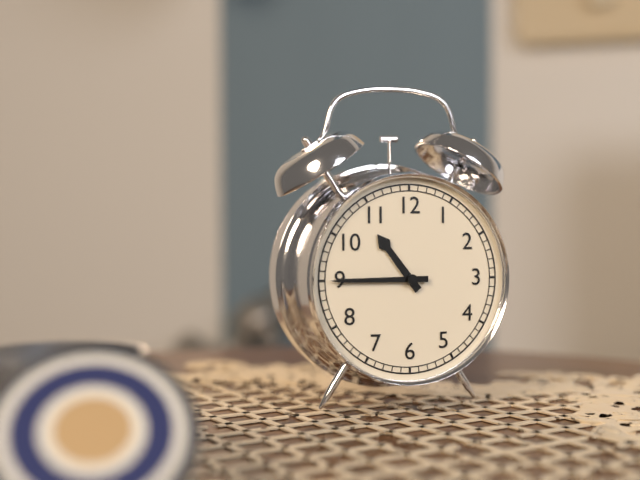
10:45
